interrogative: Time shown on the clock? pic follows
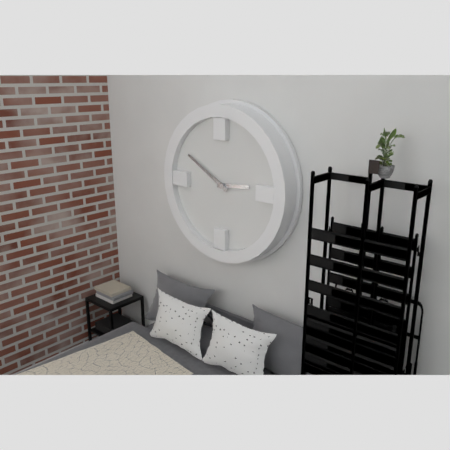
2:50
